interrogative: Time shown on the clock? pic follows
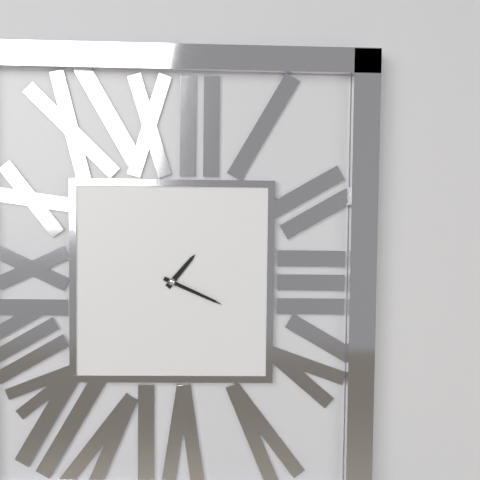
1:19
